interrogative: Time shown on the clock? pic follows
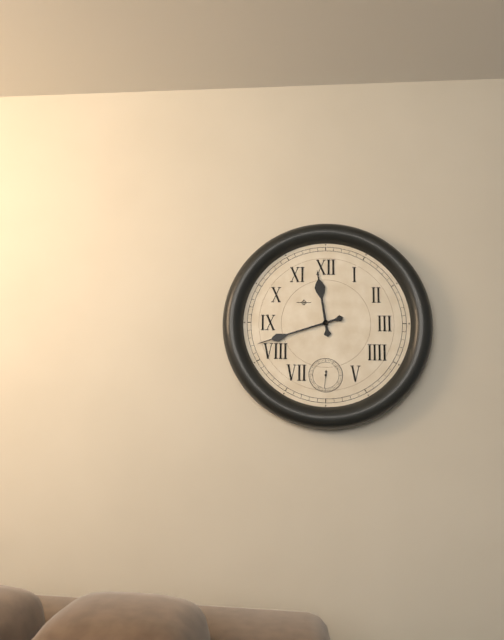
11:42
